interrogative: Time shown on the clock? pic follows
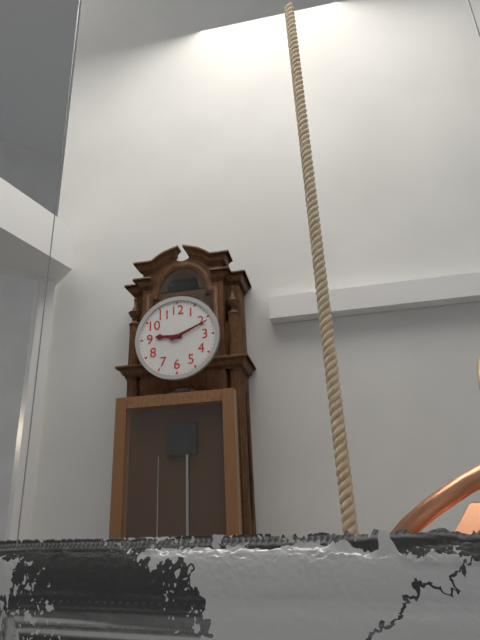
9:11
